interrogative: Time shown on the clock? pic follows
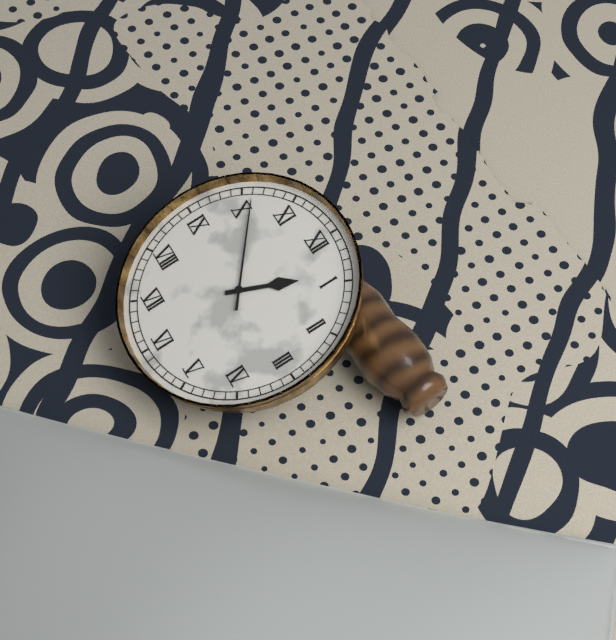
12:51
